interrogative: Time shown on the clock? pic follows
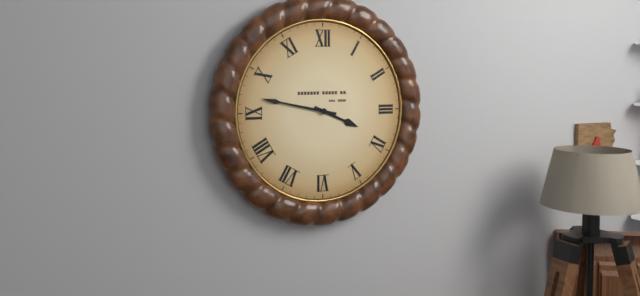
3:47
